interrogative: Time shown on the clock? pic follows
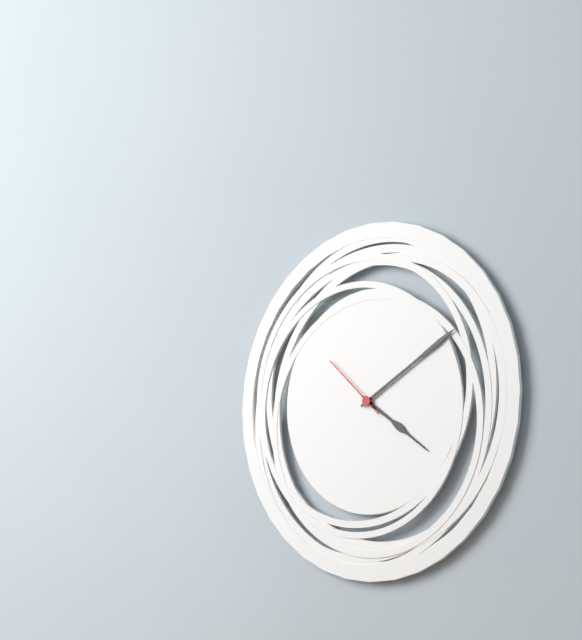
4:10:52
